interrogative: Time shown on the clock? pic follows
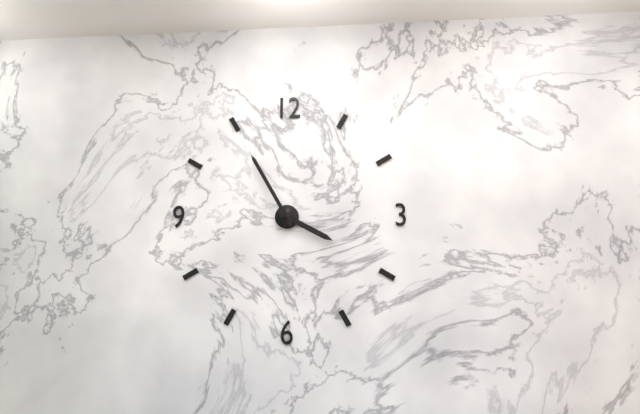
3:55
